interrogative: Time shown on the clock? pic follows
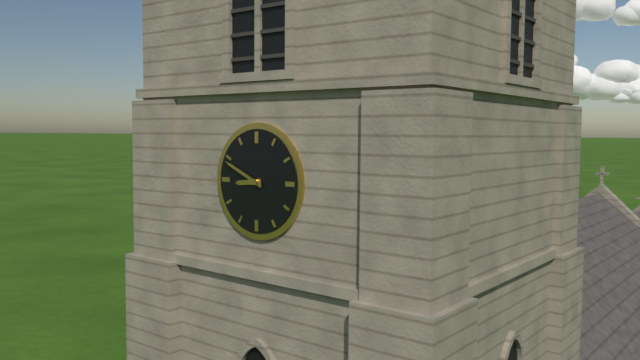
8:49
